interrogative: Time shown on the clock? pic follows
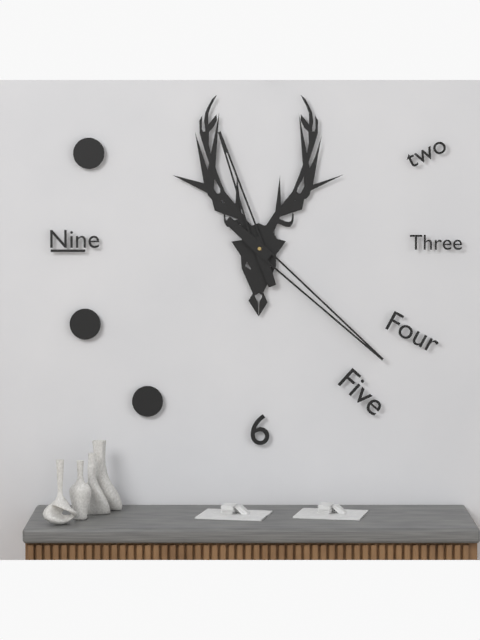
11:22
